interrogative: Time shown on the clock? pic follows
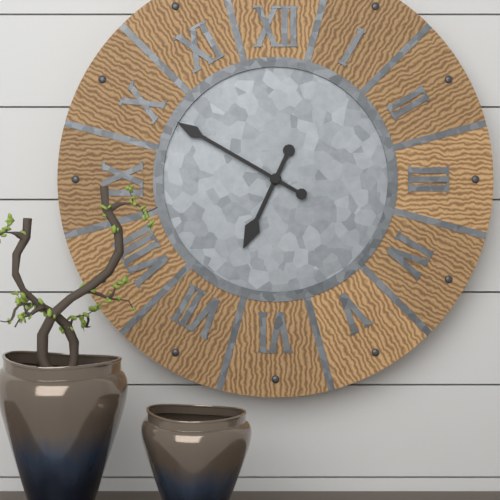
6:50
